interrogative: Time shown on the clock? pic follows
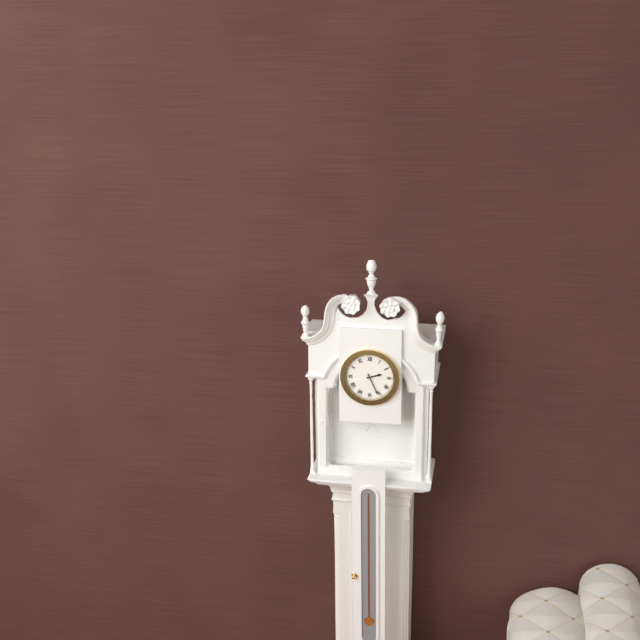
2:26
